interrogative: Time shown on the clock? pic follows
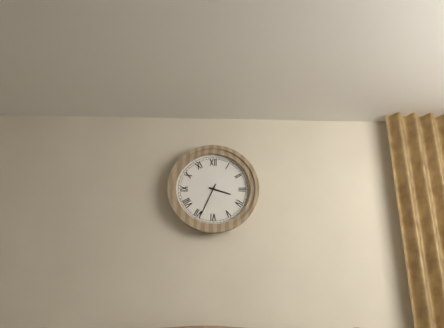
3:34
